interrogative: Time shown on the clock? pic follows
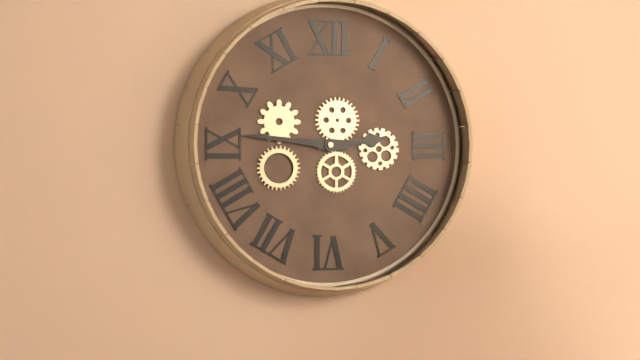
2:46
